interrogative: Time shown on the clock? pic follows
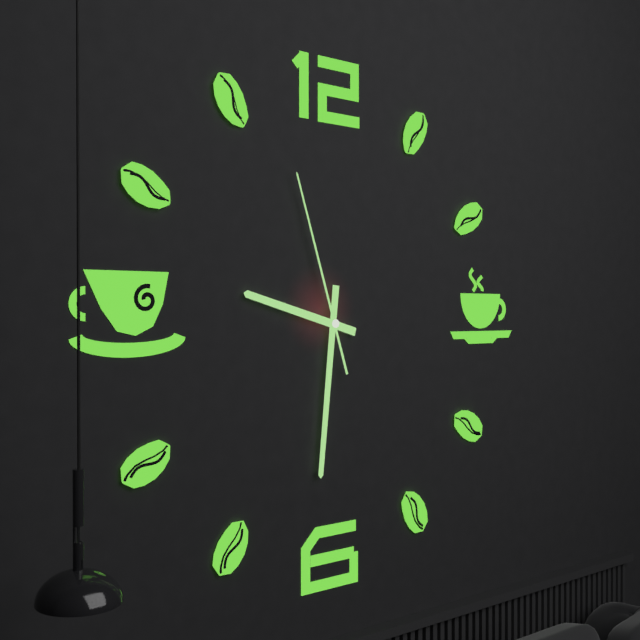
9:31:57
